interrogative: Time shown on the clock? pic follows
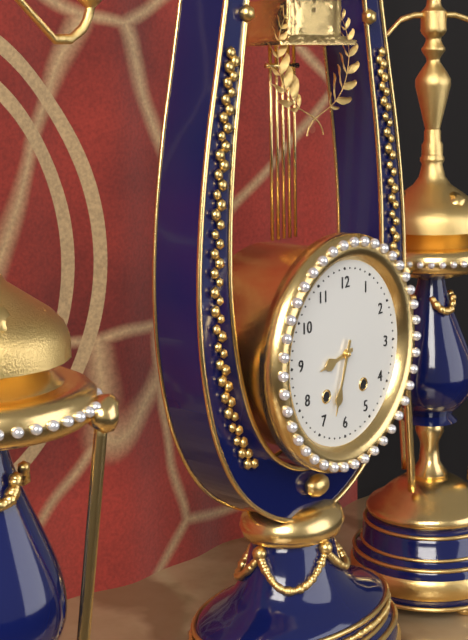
8:33
